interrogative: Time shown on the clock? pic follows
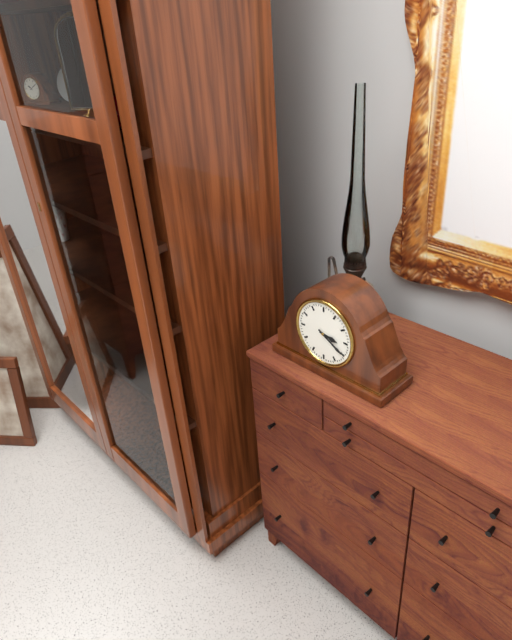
3:20
